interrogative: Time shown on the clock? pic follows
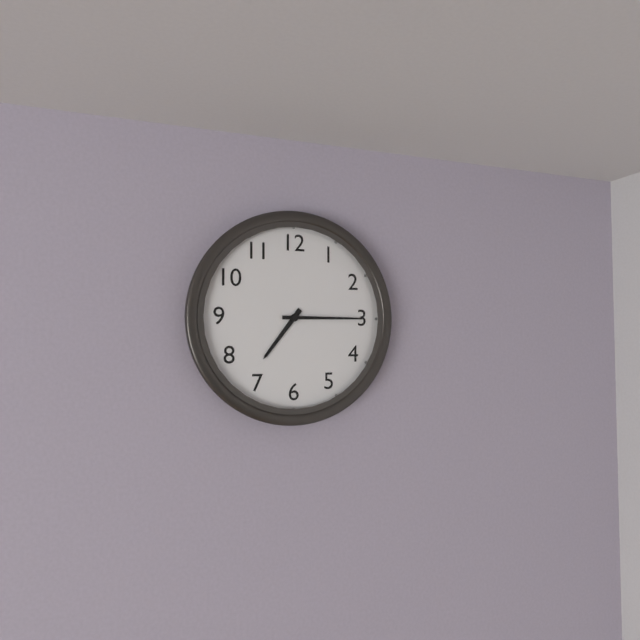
7:15
